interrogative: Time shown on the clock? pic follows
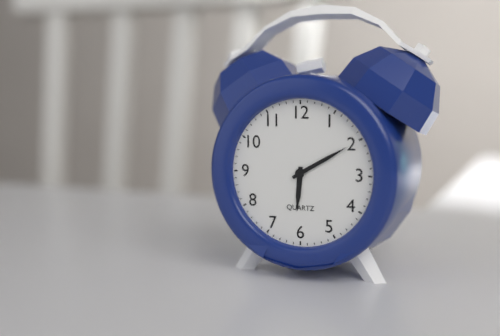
6:10
